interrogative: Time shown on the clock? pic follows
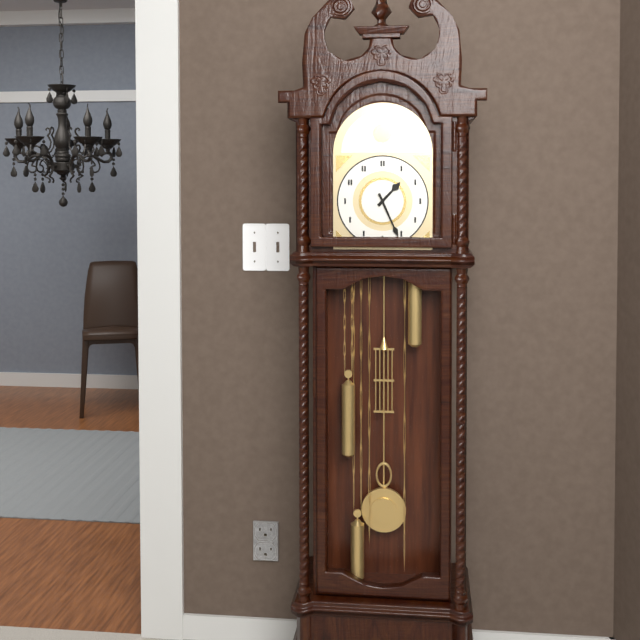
1:26
